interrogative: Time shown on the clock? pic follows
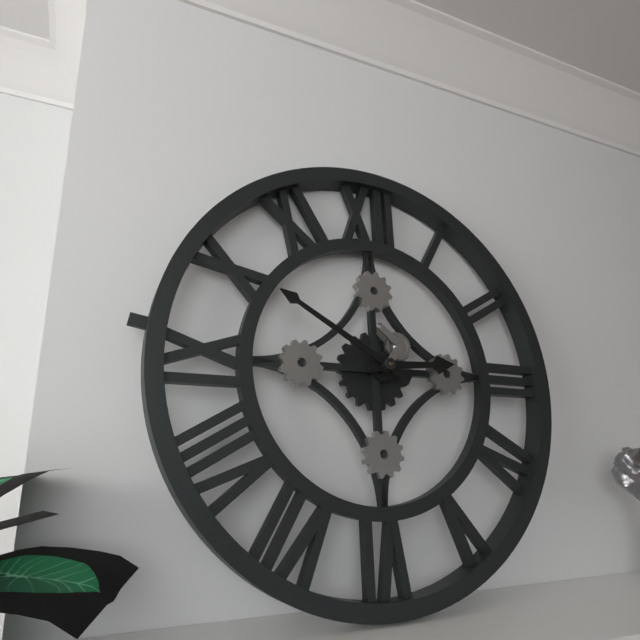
2:50
